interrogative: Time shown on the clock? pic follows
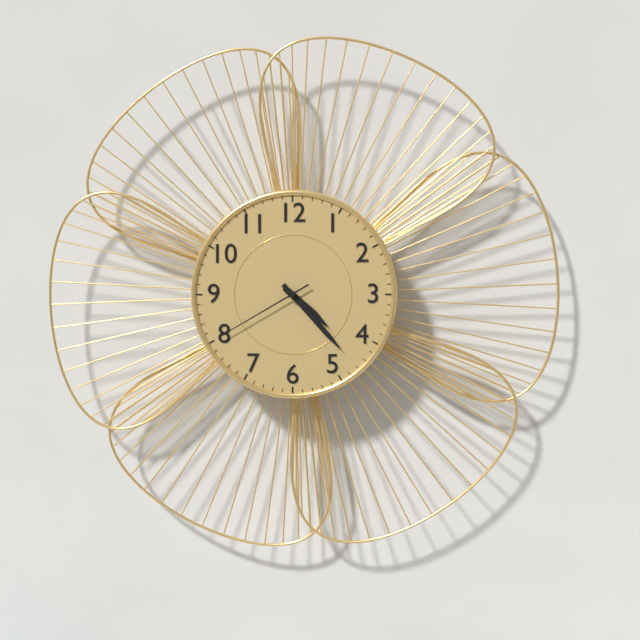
4:23:40
